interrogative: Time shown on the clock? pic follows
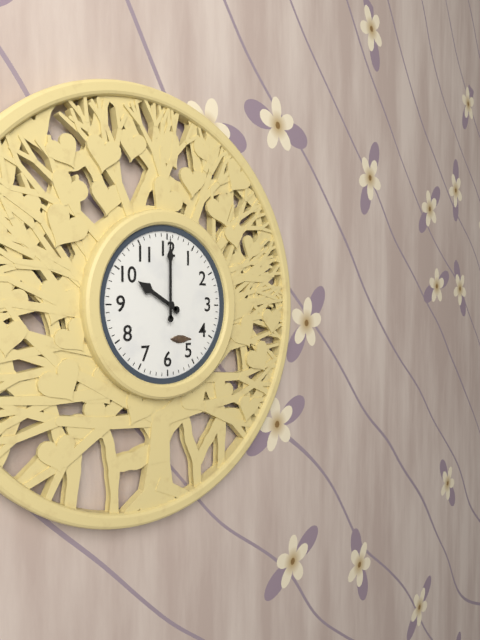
10:00
